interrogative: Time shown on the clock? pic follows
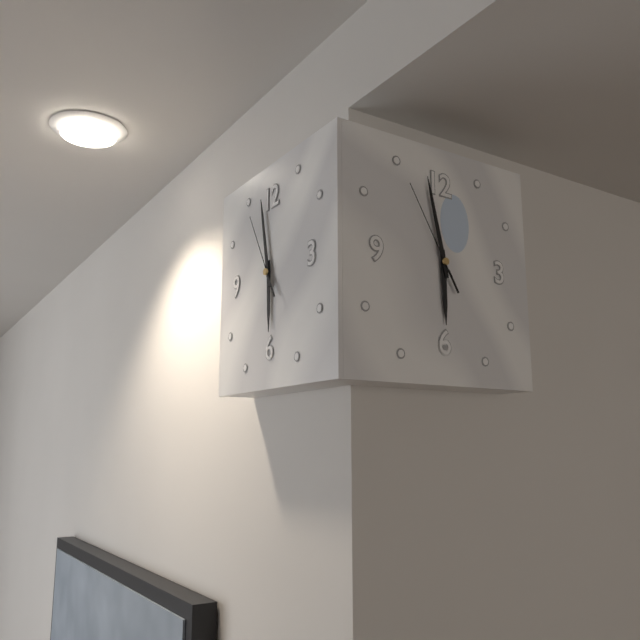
5:58:55
